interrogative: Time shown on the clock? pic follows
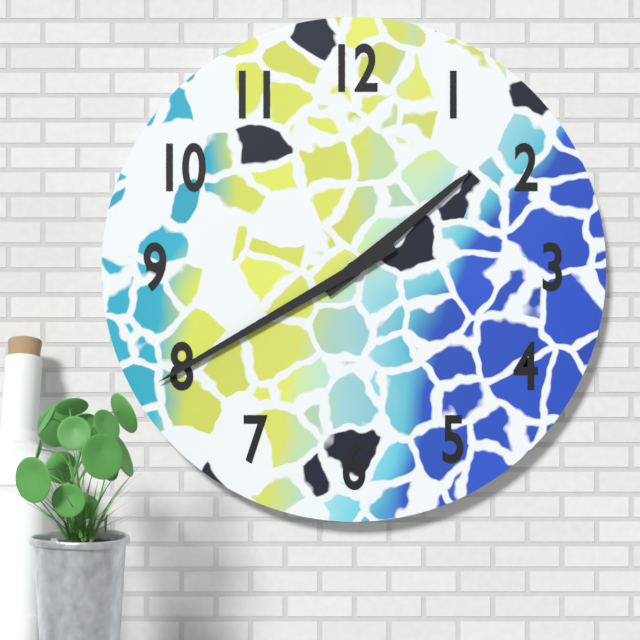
1:40
